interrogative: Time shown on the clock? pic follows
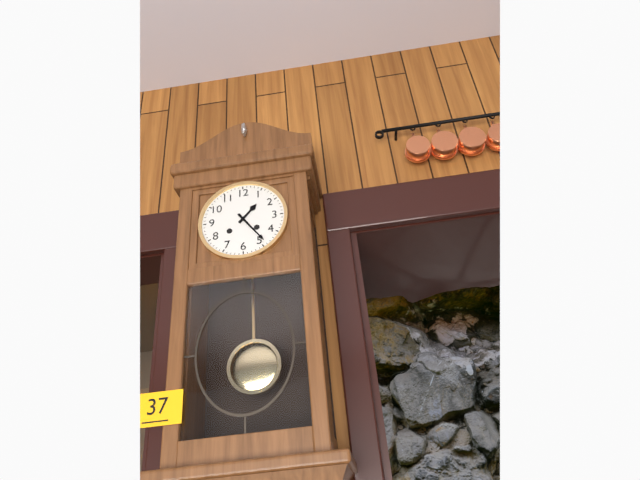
1:24
